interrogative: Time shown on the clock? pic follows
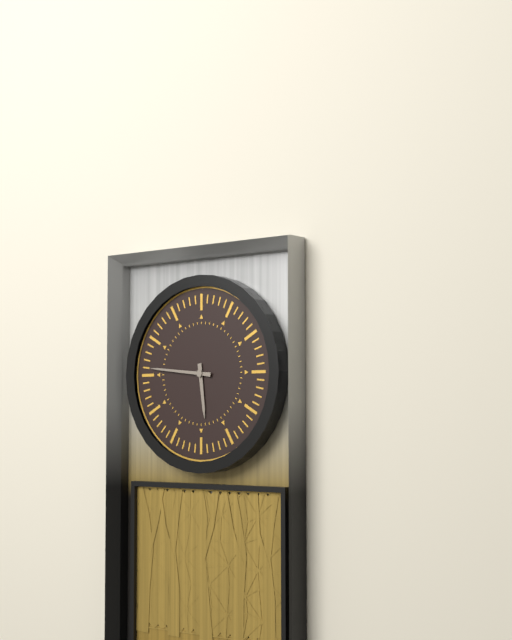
5:46
